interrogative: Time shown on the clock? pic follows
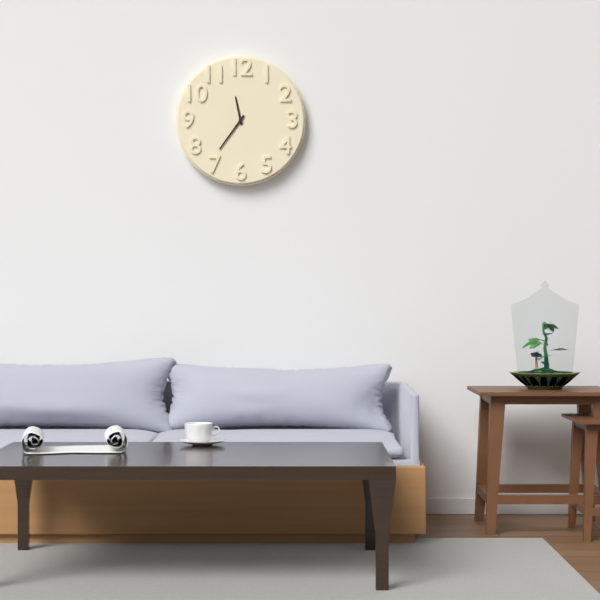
11:36
